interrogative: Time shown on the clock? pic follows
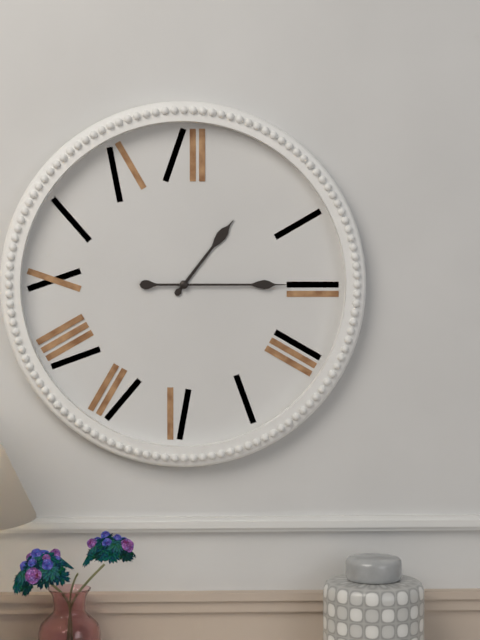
1:15
